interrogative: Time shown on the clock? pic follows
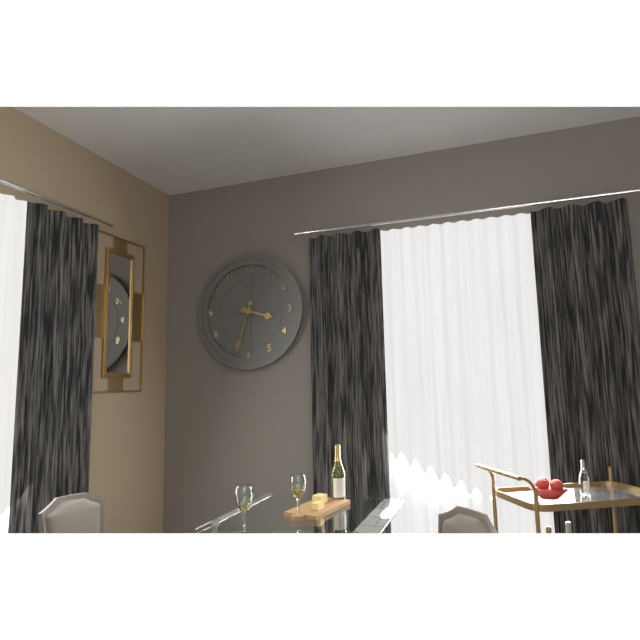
3:33
